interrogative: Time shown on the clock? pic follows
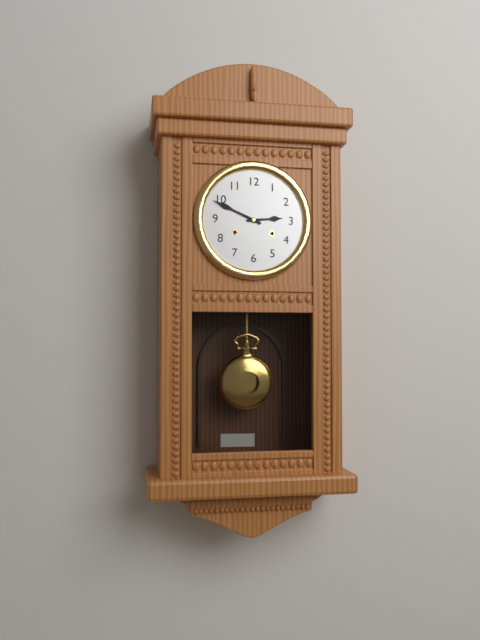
2:49
